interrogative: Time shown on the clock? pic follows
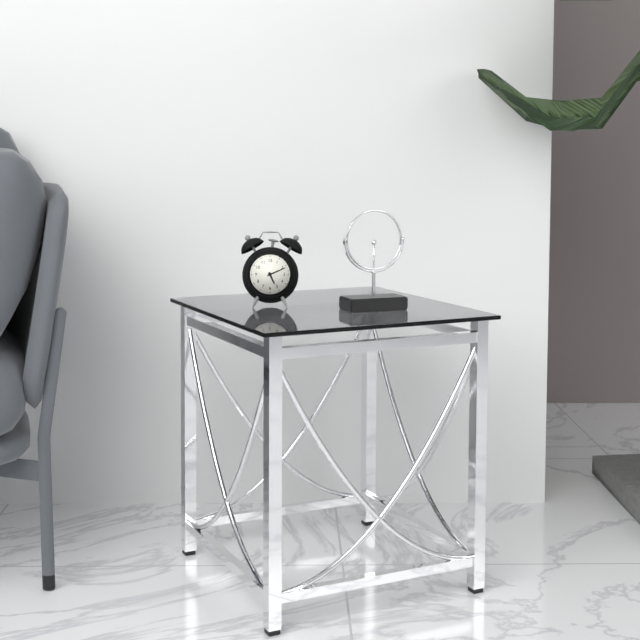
5:11
